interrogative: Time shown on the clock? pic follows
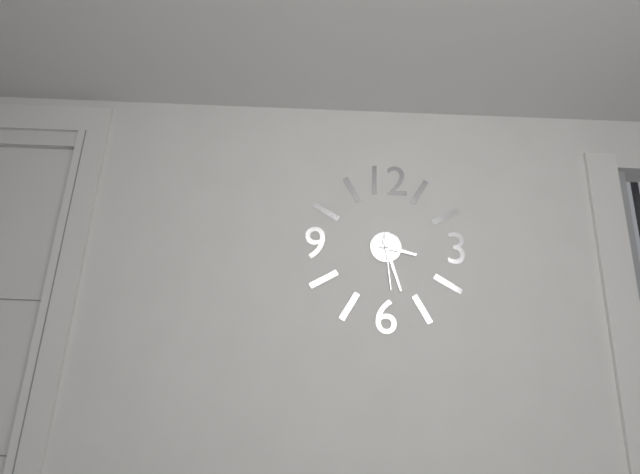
3:27:29
